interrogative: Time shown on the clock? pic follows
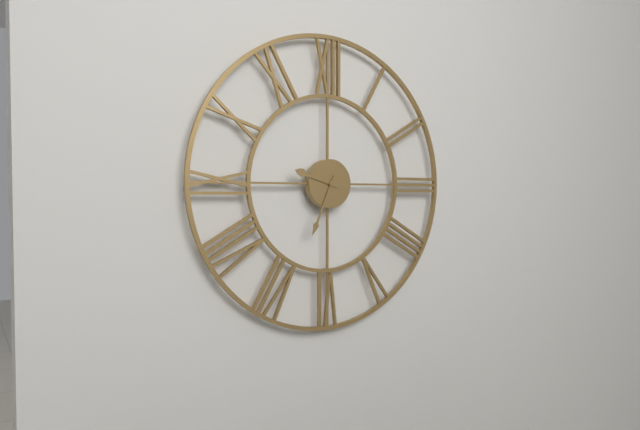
9:34
